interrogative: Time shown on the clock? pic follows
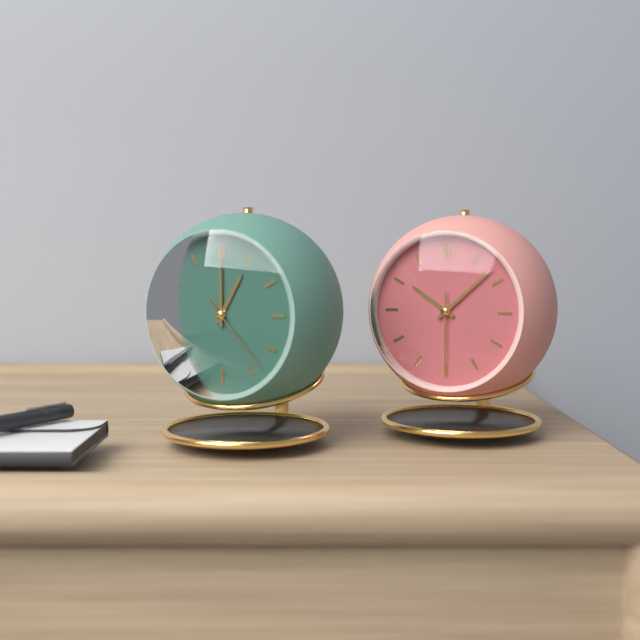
1:00:23
